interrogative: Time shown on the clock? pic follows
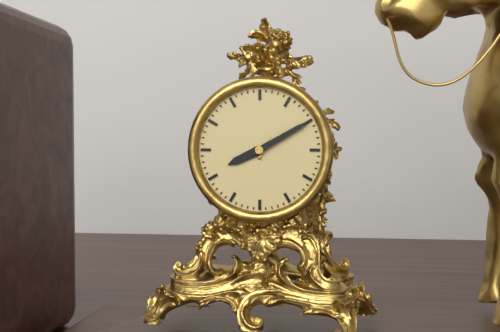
8:10
